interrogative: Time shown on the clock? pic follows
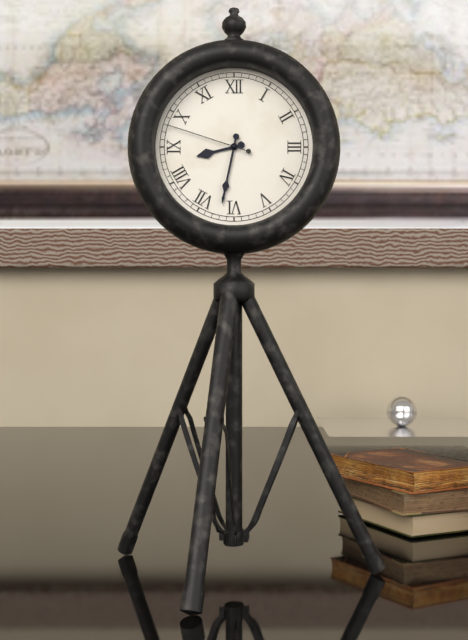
8:32:48
